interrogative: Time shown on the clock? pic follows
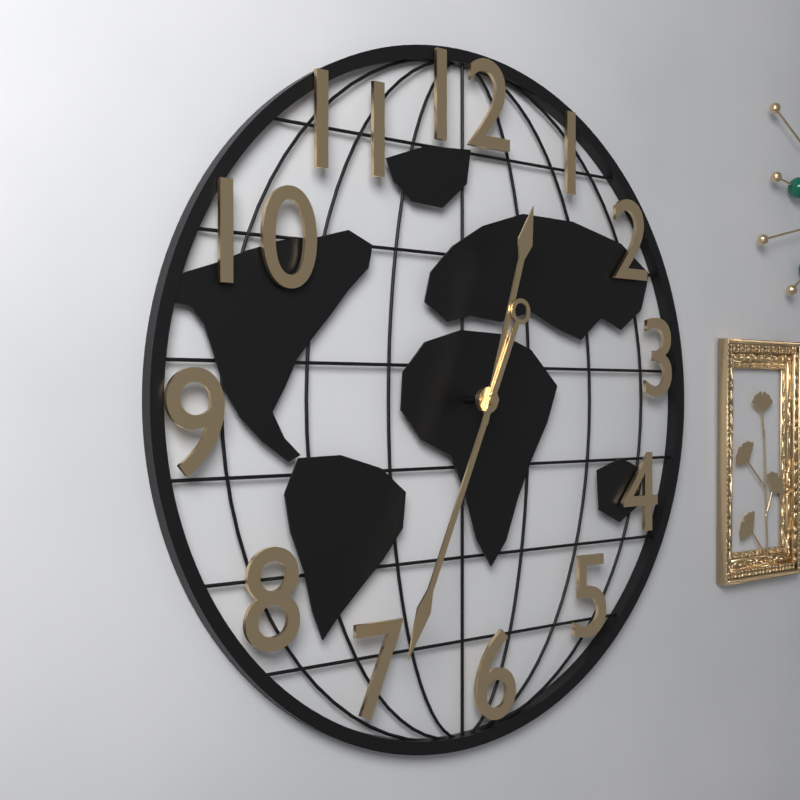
12:34
